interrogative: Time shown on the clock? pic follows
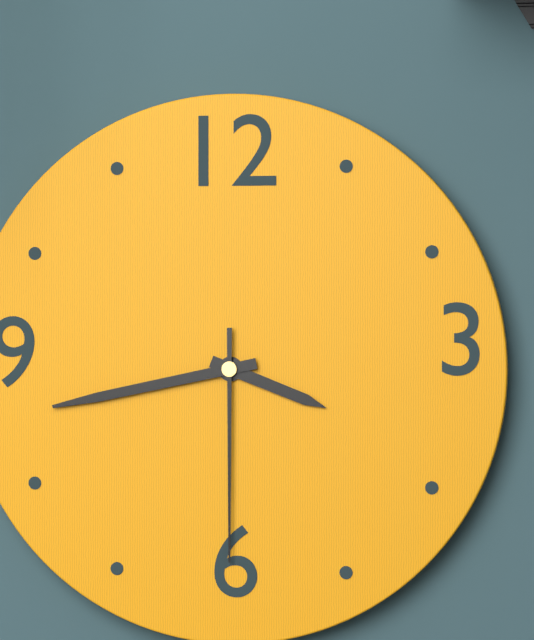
3:43:30
